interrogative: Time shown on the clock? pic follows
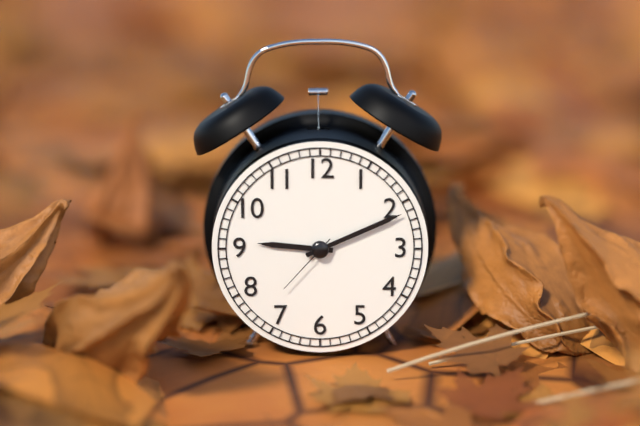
9:11:37
